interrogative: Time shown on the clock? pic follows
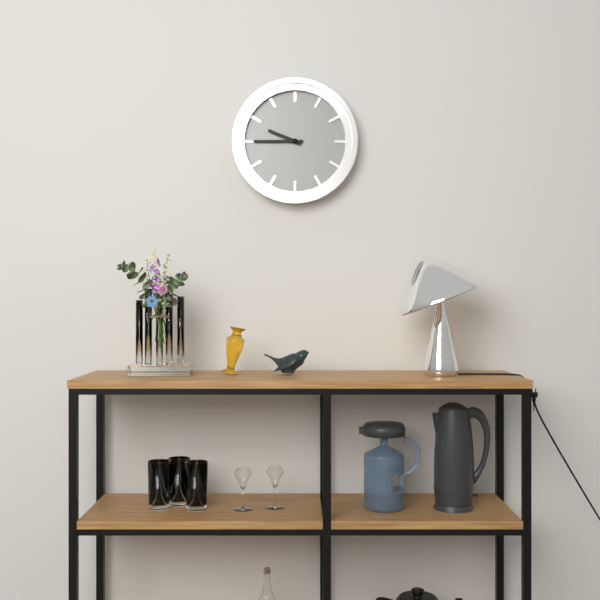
9:45
